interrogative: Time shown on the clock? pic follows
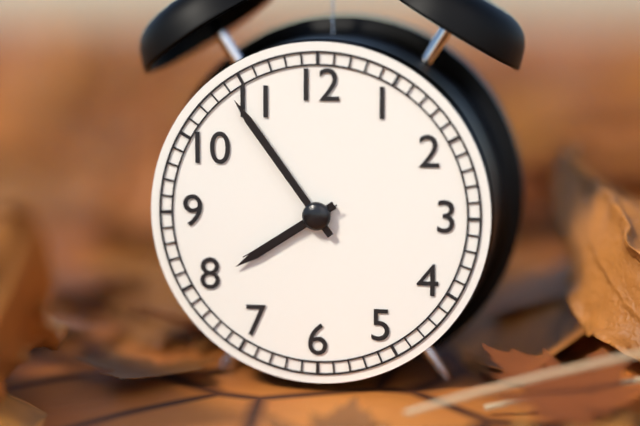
7:54:40
